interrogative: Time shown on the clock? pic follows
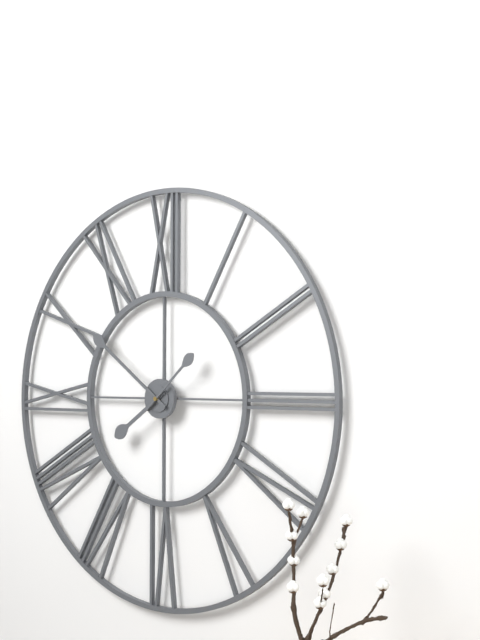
7:51:08
